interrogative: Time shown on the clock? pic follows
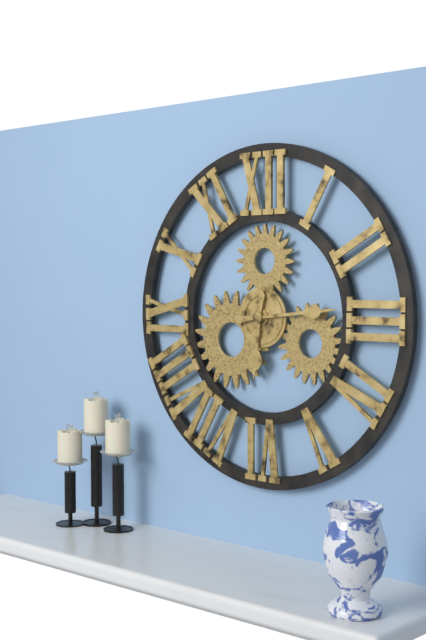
6:14
